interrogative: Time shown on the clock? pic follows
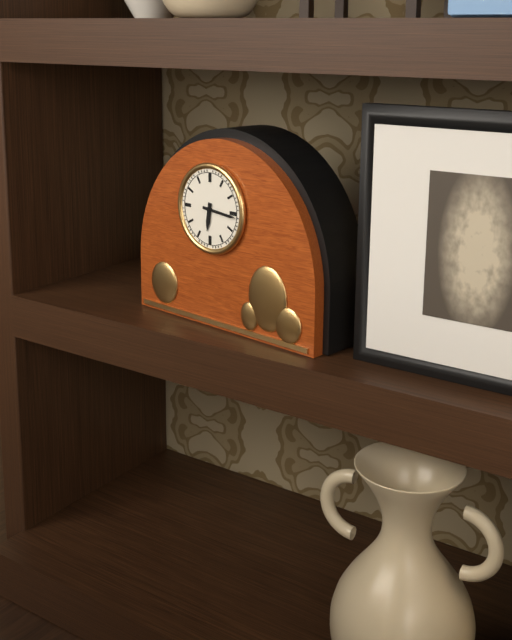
6:16
